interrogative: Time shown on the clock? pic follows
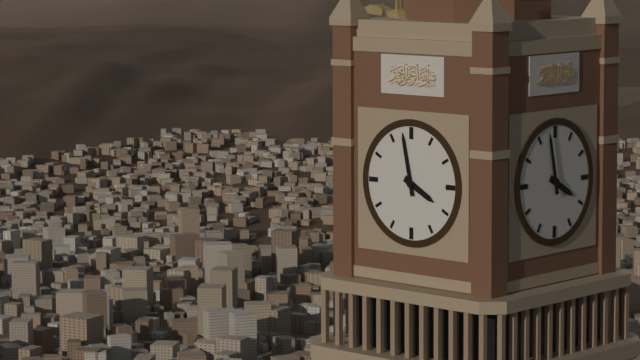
3:58
